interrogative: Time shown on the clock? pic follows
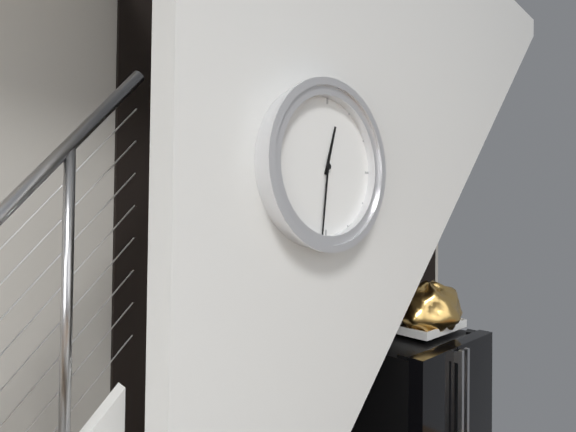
12:31
